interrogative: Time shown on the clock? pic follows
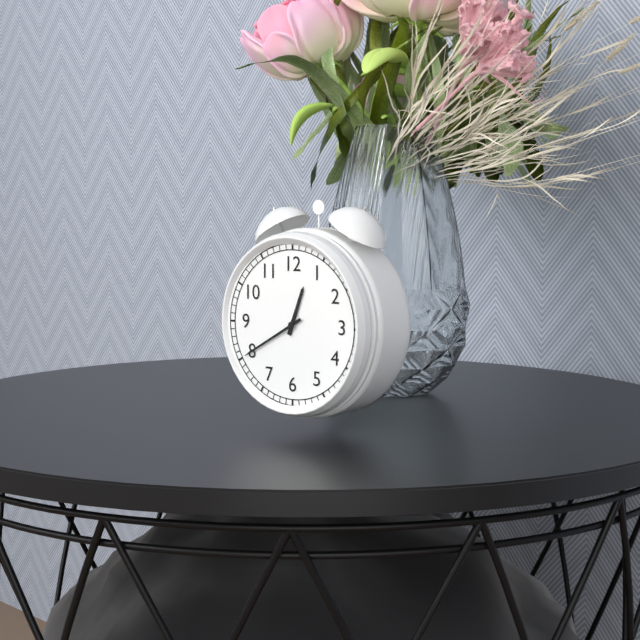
12:40
